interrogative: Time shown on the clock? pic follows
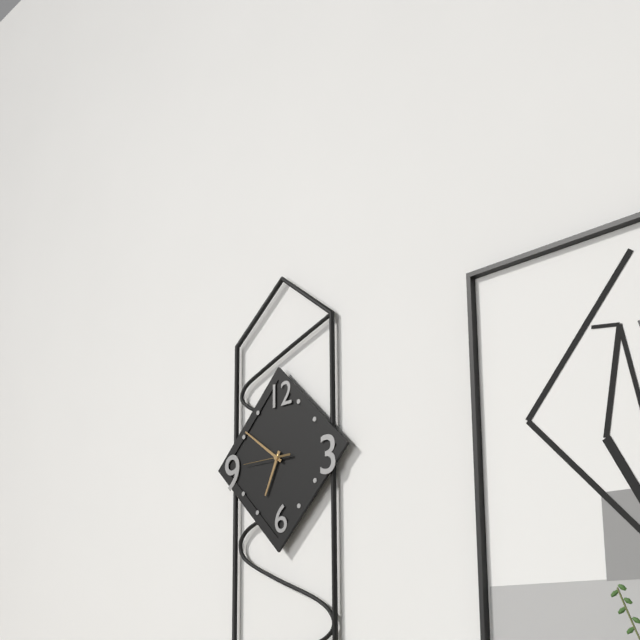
6:51:45
